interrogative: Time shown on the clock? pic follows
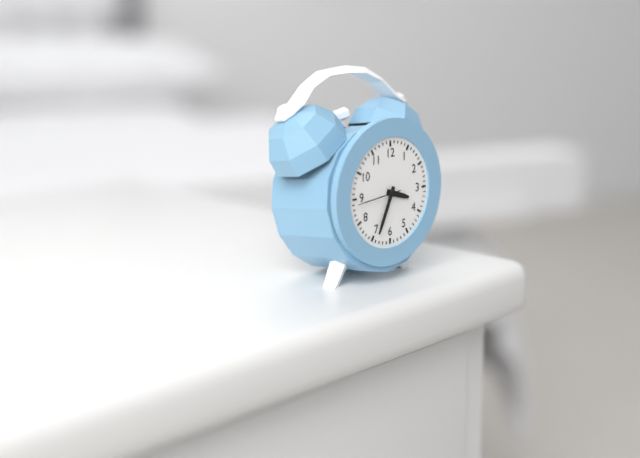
3:34
